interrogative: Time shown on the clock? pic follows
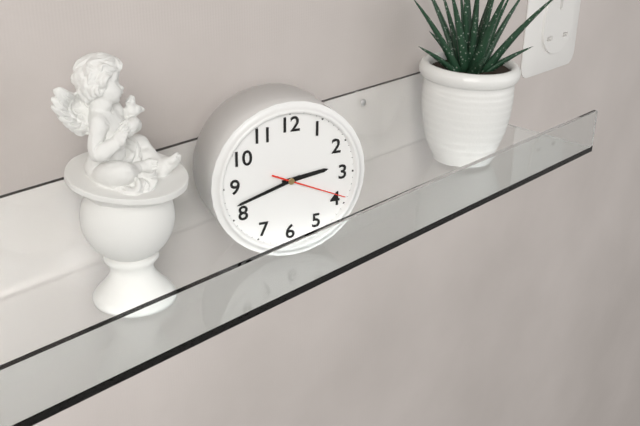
2:42:19
